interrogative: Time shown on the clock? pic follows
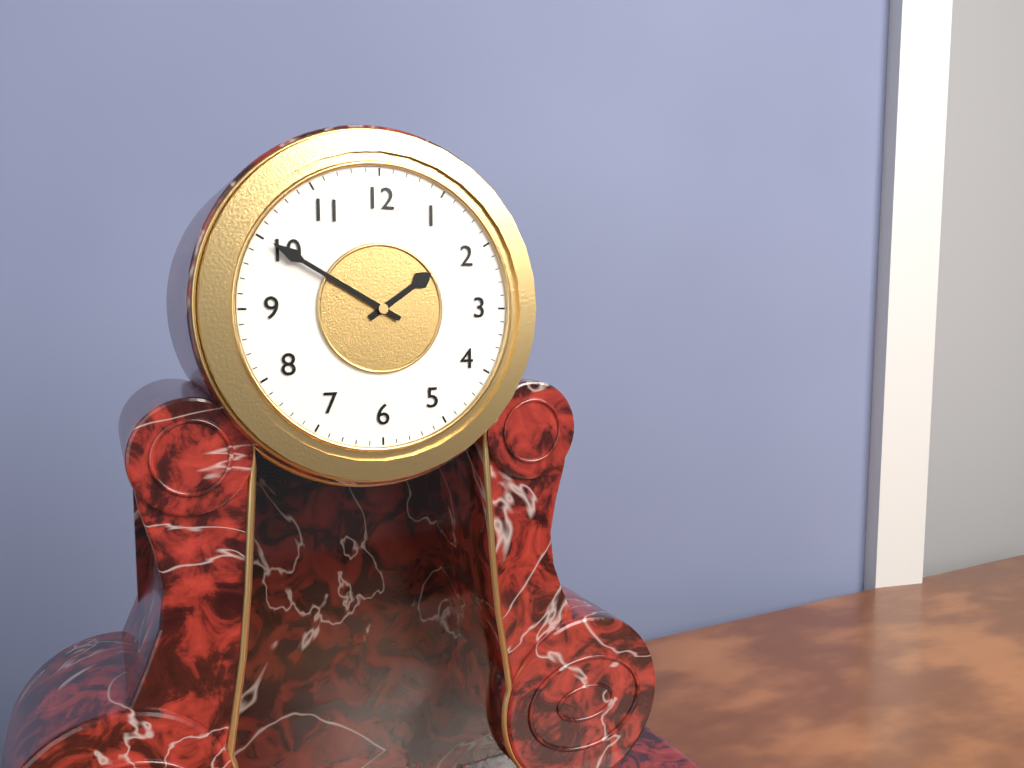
1:50
